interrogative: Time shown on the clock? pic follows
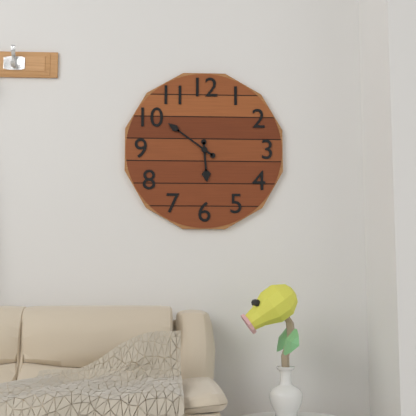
5:51
